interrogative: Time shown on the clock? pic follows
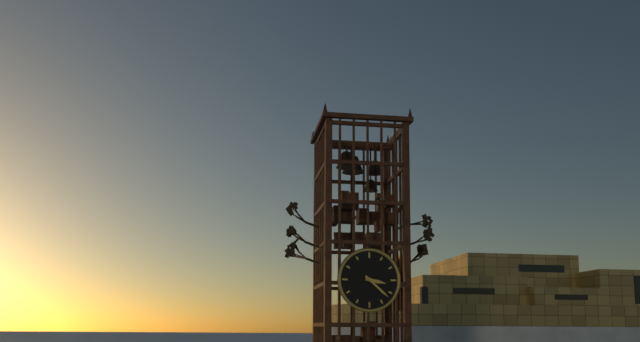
3:22
